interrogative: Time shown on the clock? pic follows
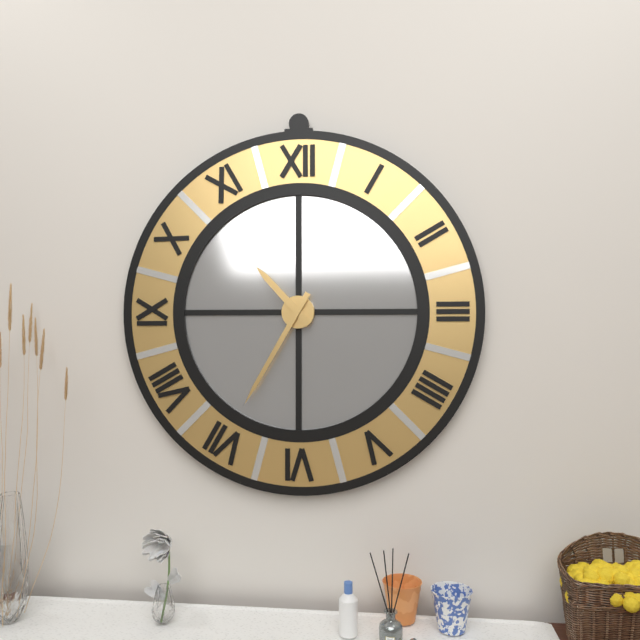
10:35
